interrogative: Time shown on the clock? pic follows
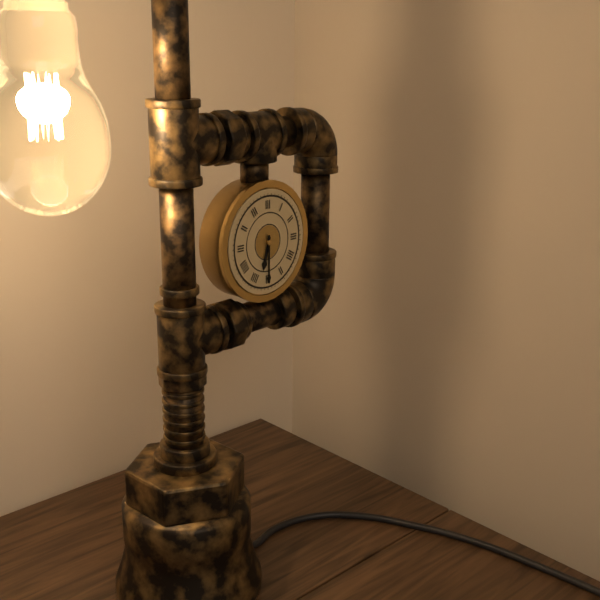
6:30
